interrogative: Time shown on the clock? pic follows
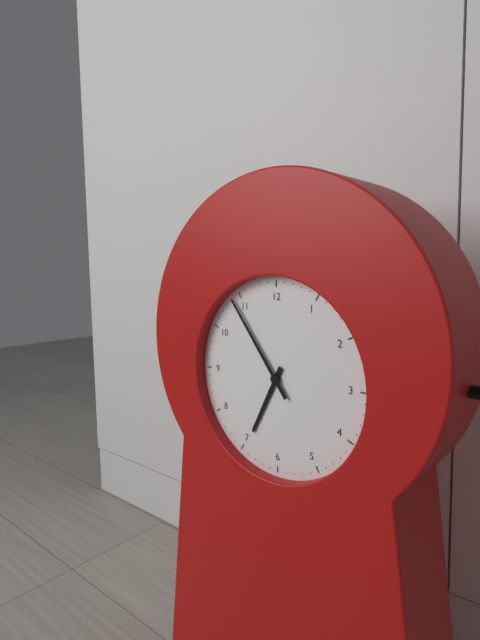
6:54
